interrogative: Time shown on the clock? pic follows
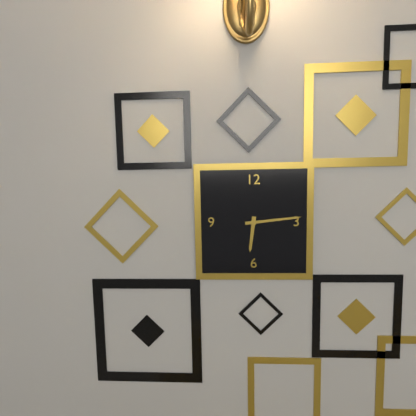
6:14
